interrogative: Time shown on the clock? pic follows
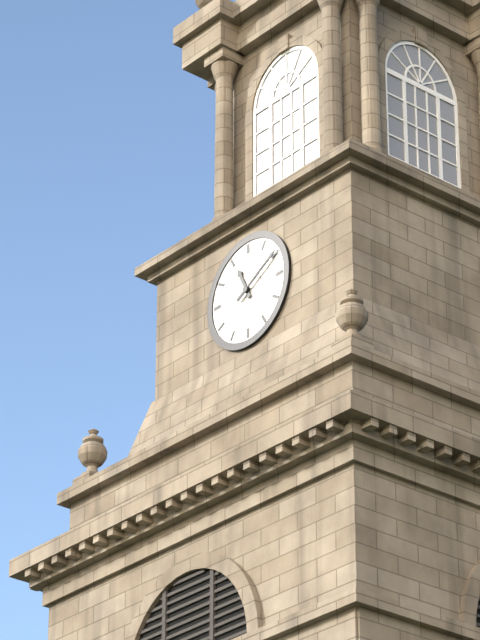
11:10
